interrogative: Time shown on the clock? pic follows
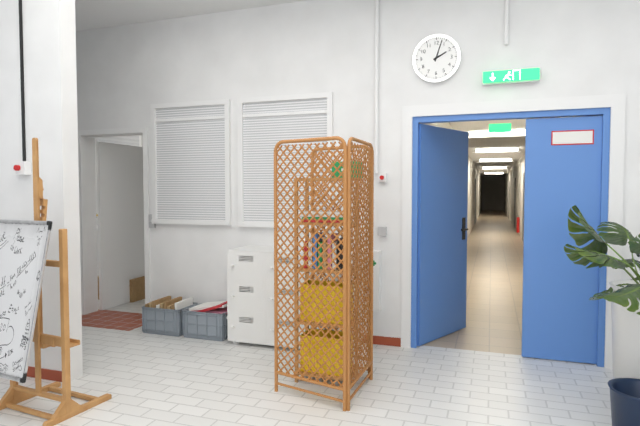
2:03
